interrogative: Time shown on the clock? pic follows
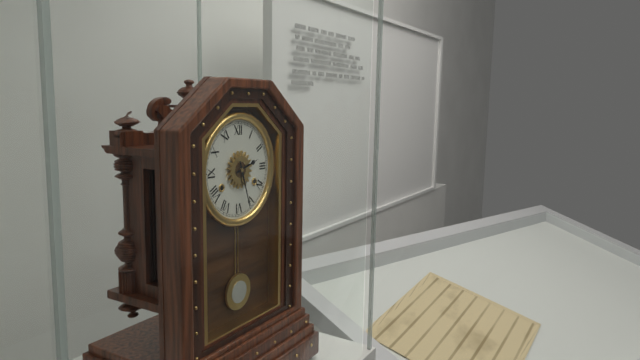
2:27
